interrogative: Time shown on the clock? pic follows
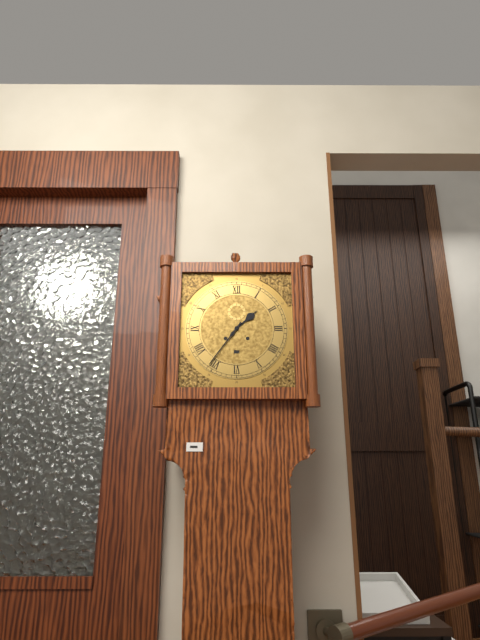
1:36
